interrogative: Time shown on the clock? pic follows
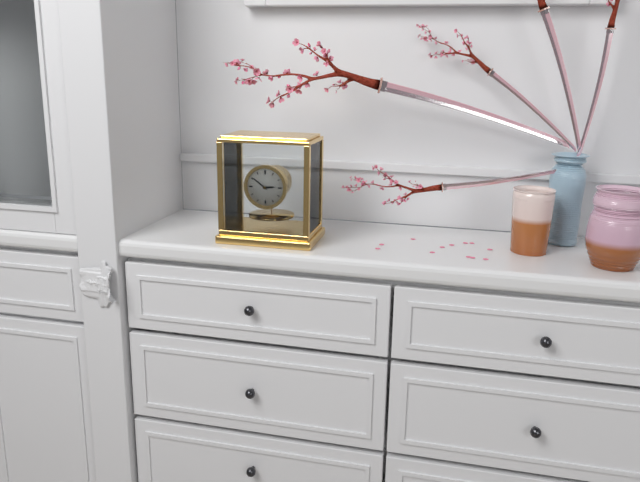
2:51
